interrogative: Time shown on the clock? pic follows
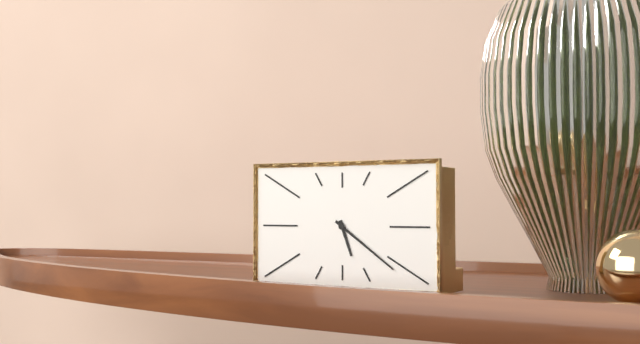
5:21
